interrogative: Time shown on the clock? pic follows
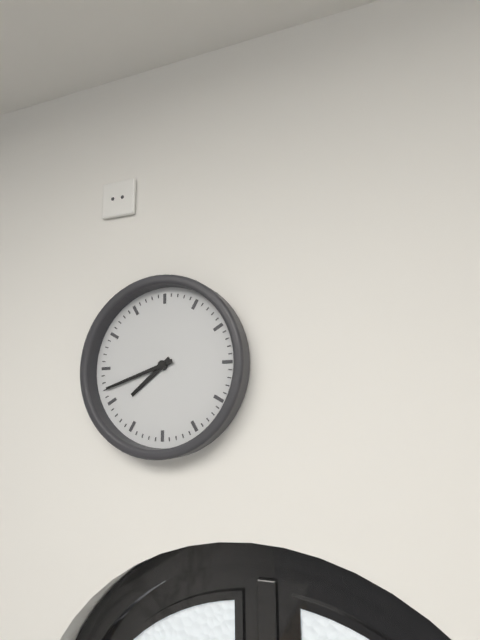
7:42
